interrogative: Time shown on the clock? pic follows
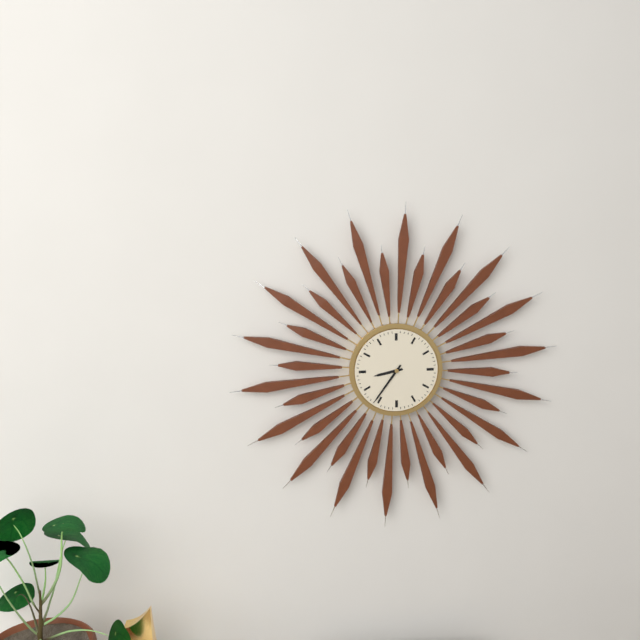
8:36
